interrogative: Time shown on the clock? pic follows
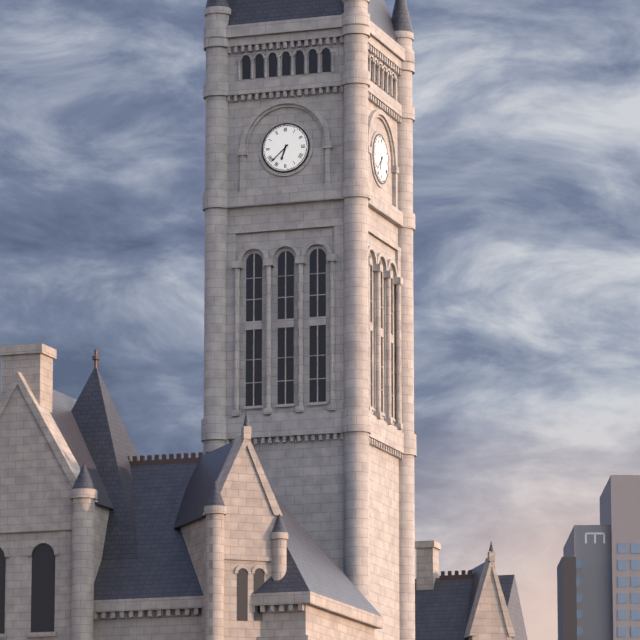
6:38
